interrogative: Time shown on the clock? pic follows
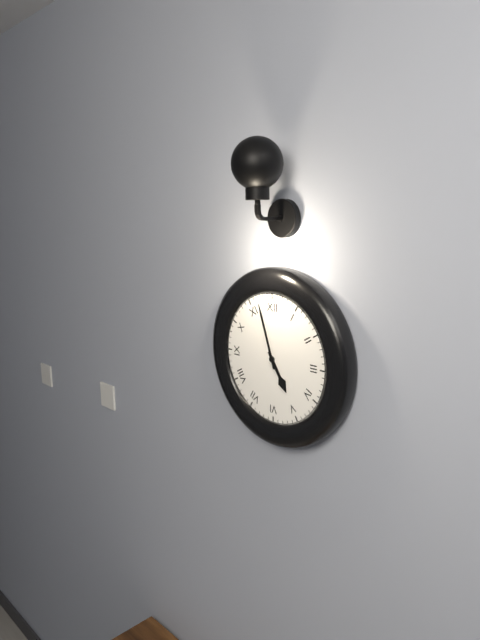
4:57
